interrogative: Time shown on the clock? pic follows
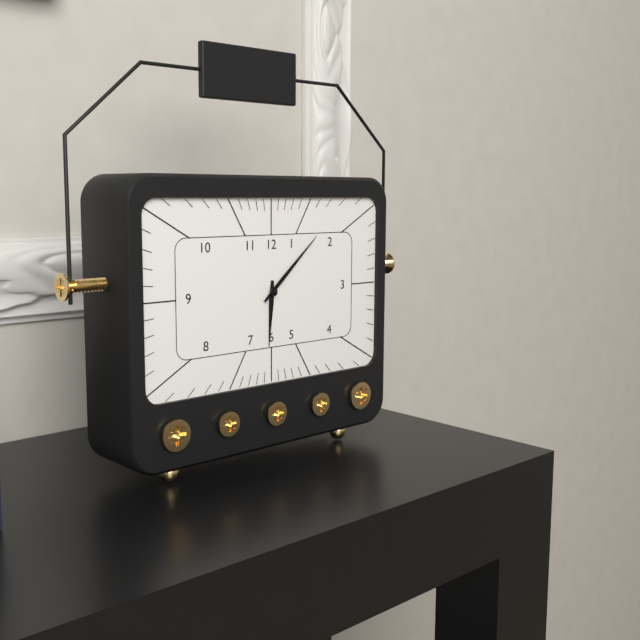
6:08
